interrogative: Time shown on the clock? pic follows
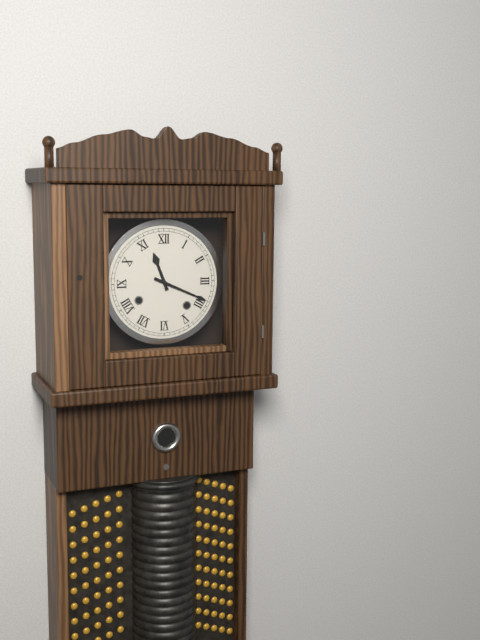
11:19
